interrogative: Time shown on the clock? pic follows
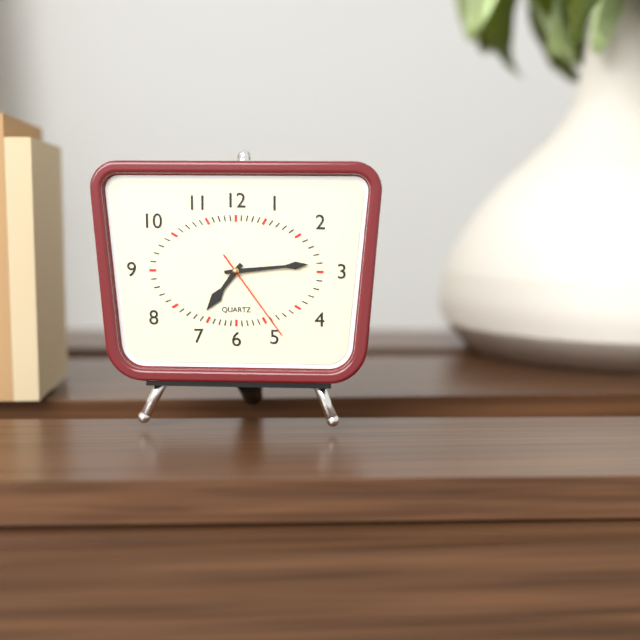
7:14:24
